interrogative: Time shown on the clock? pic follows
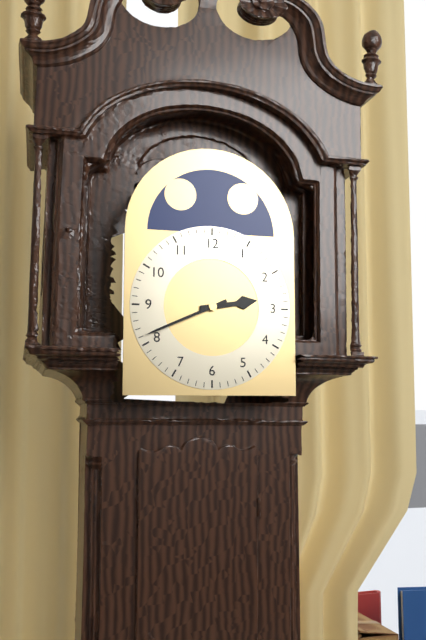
2:41
